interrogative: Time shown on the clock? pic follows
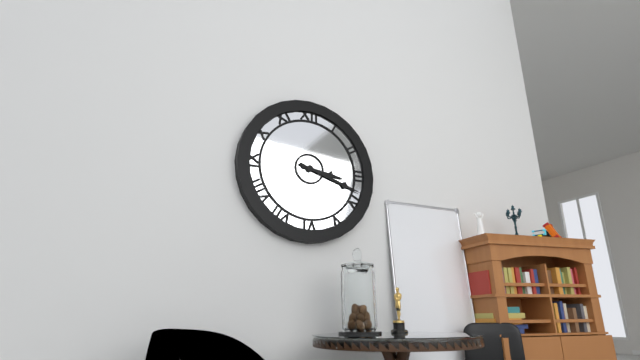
3:18
